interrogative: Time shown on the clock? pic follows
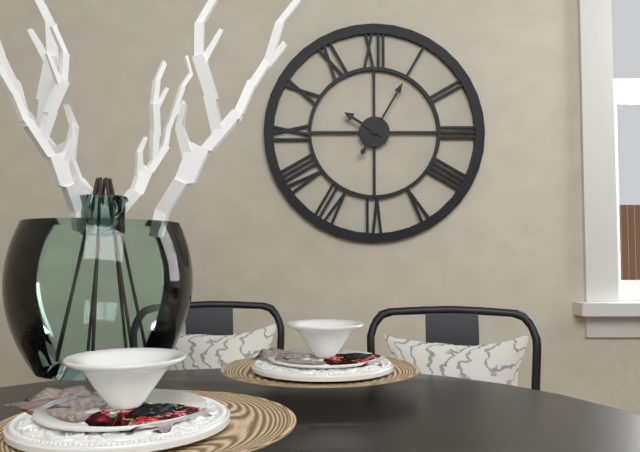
10:05
